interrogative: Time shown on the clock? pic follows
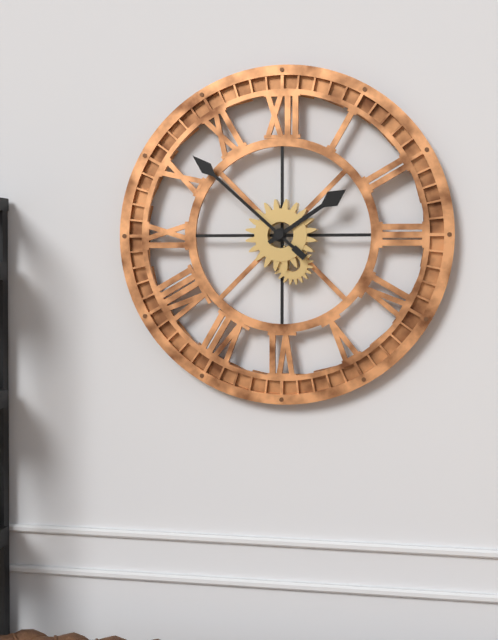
1:52
